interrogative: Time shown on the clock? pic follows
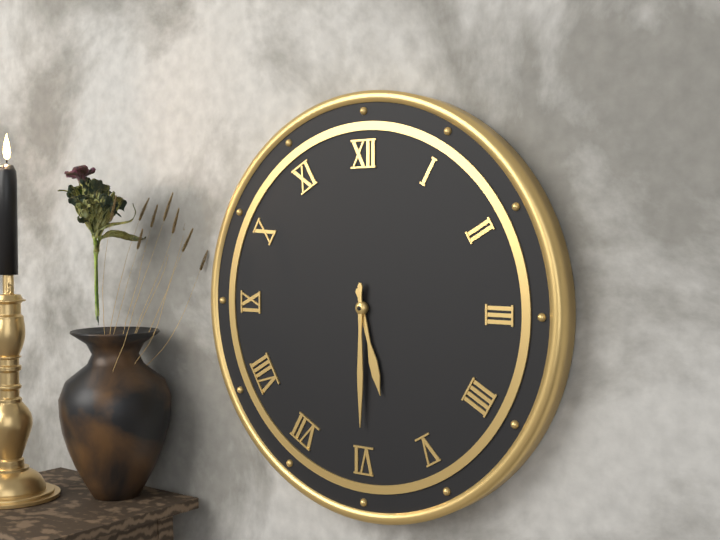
5:30
